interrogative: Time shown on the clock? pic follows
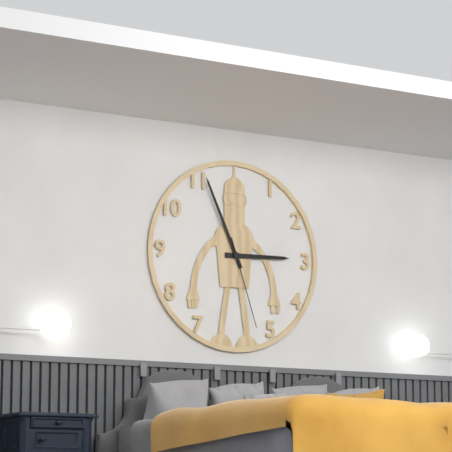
2:56:27
